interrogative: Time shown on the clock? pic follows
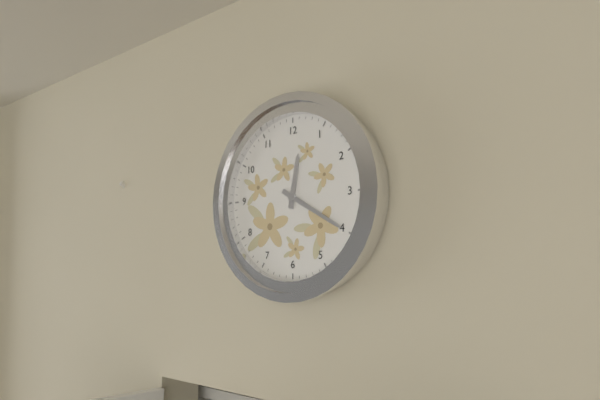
12:20
